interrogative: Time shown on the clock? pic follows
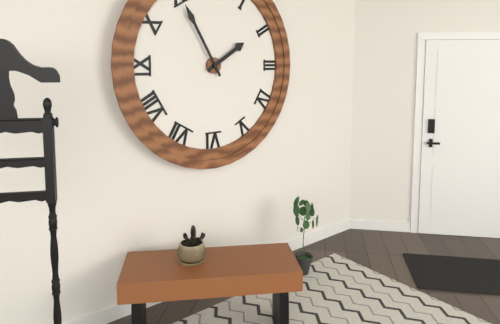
1:55
